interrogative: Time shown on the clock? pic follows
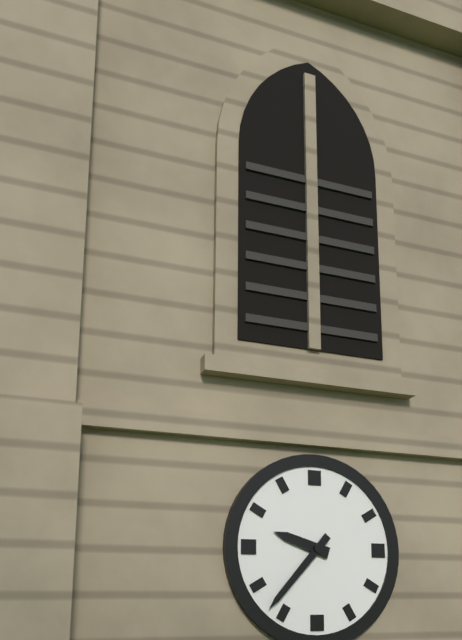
9:37
